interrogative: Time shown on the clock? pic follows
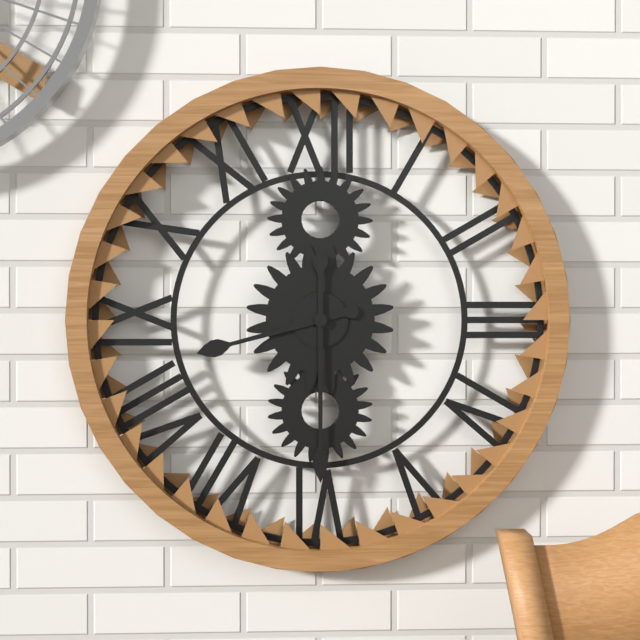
8:30
